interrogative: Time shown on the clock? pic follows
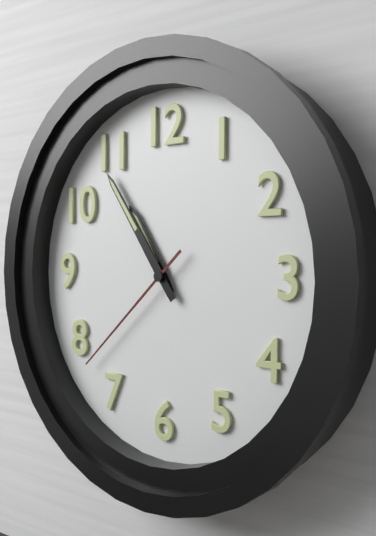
10:54:38
